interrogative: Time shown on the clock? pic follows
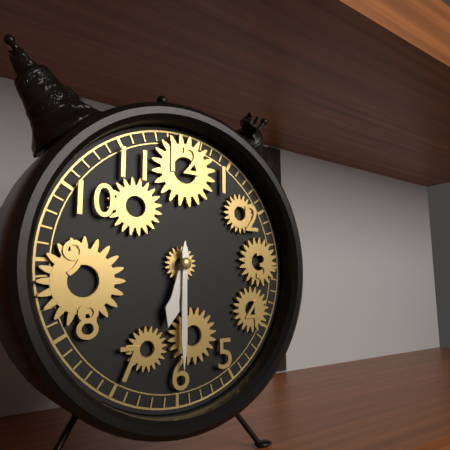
6:30
